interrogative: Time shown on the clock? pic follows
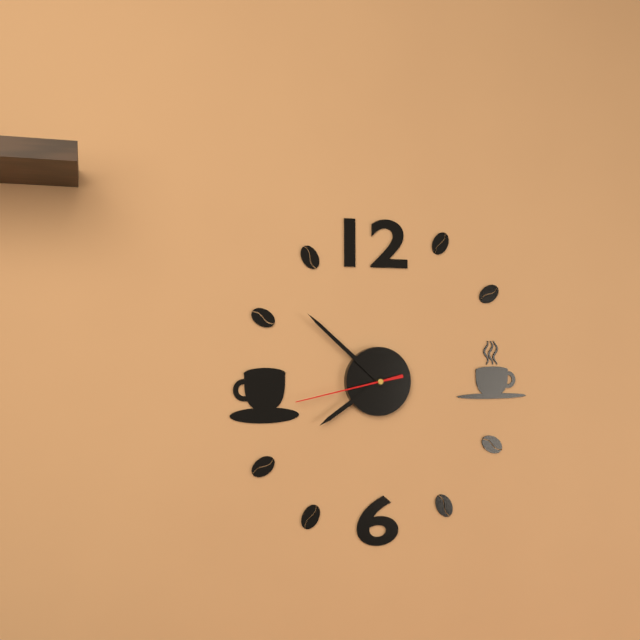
7:52:43
